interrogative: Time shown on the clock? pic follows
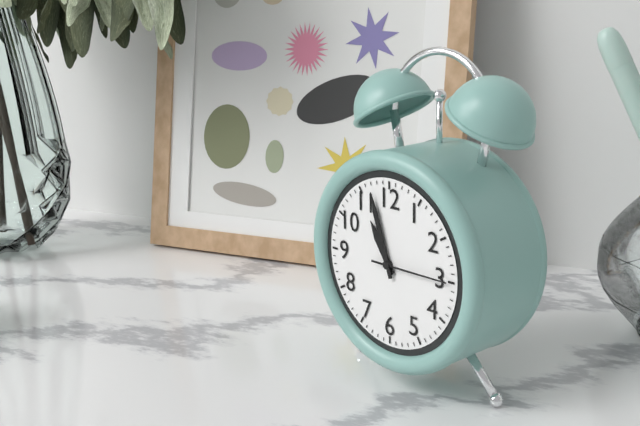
10:57:15
